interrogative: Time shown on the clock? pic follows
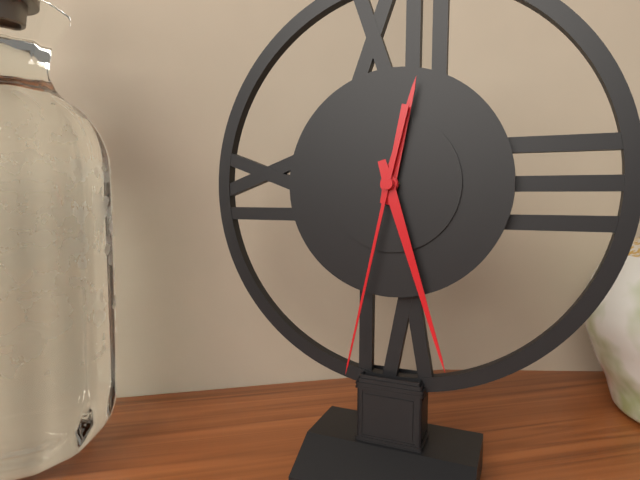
12:27:32
